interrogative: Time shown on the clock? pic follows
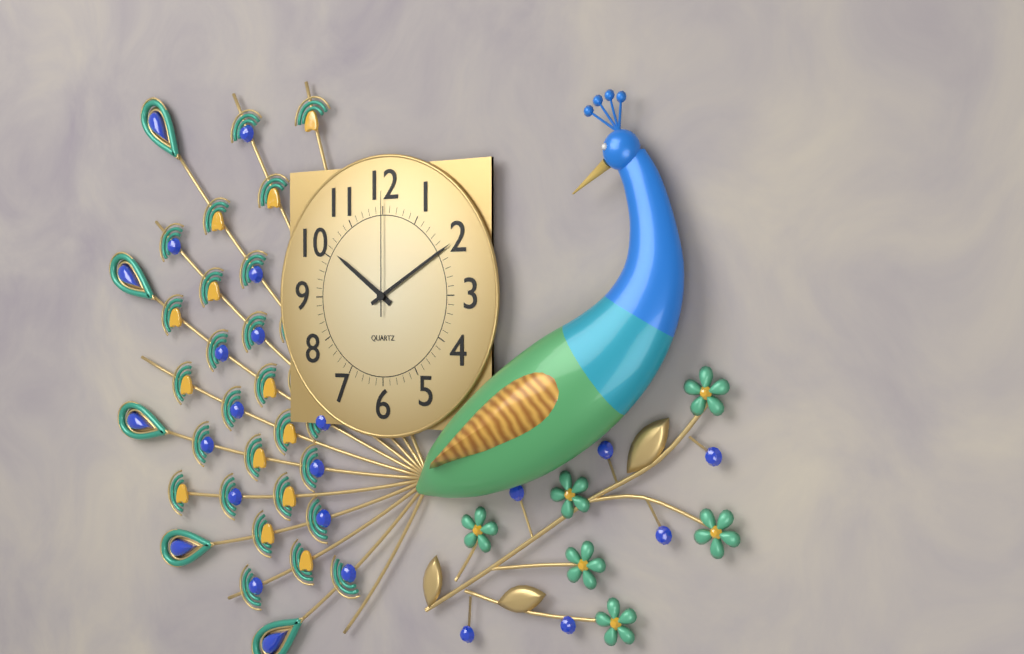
10:10:00
